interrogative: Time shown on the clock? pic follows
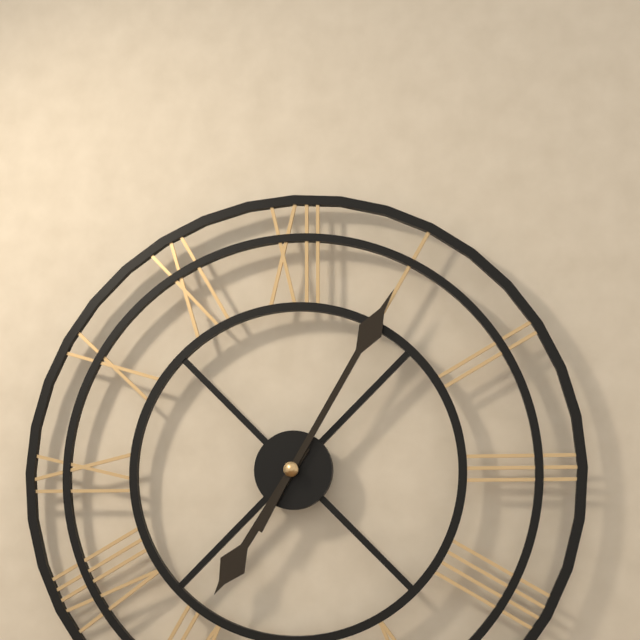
7:05
